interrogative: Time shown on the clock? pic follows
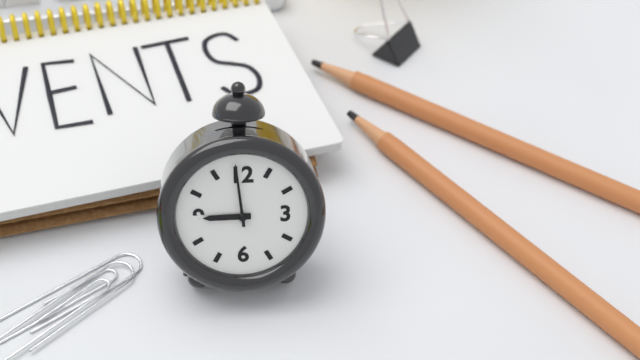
8:59
